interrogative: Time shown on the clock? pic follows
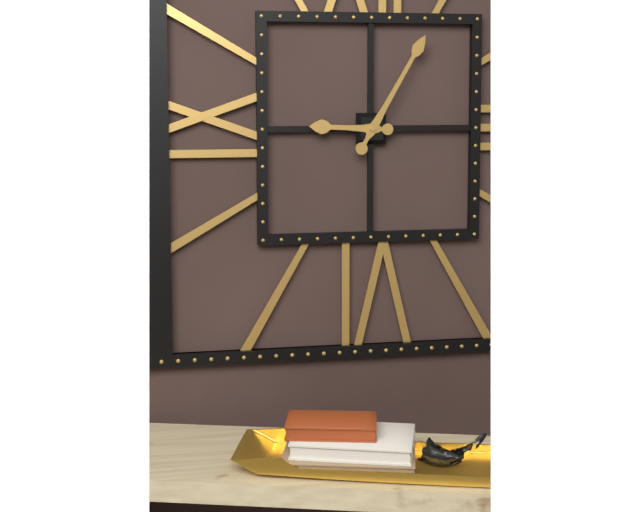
9:05
